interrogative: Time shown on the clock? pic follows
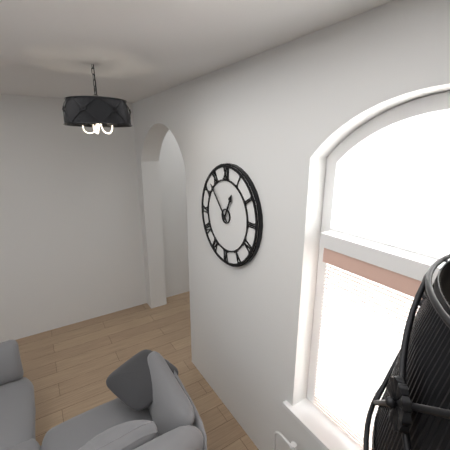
12:53
